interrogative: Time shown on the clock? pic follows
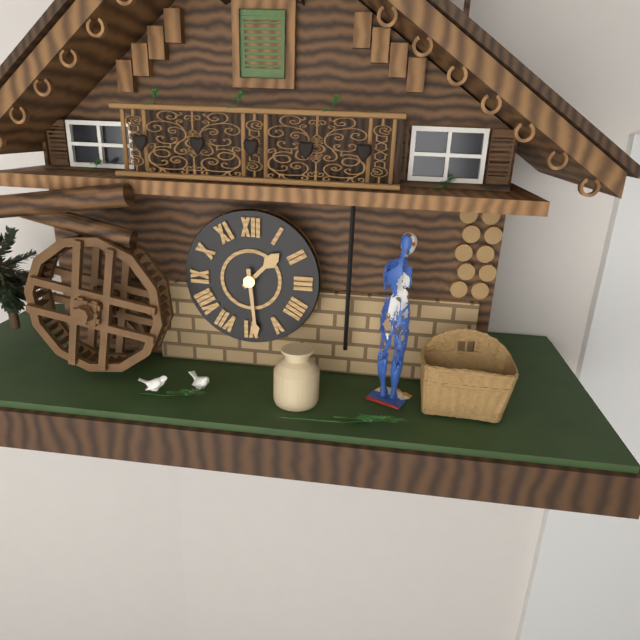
1:29
